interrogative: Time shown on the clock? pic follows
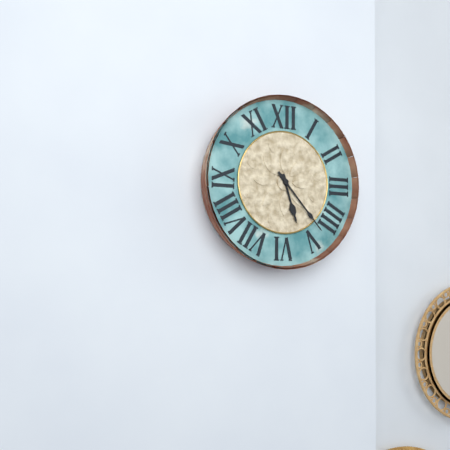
5:23
